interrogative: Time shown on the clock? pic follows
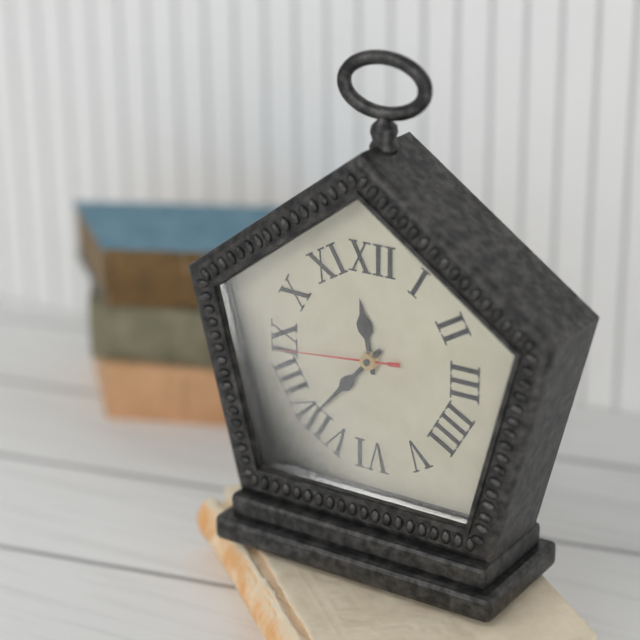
11:37:44
